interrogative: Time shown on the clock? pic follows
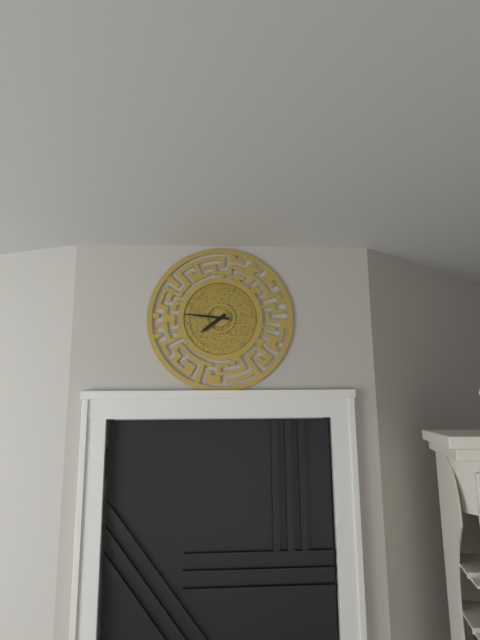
7:46
